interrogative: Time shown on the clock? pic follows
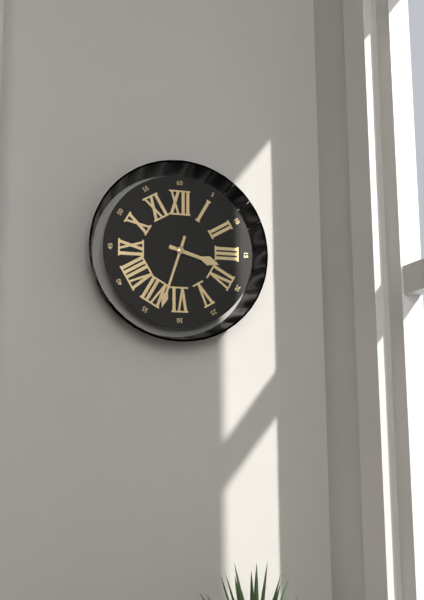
3:33
